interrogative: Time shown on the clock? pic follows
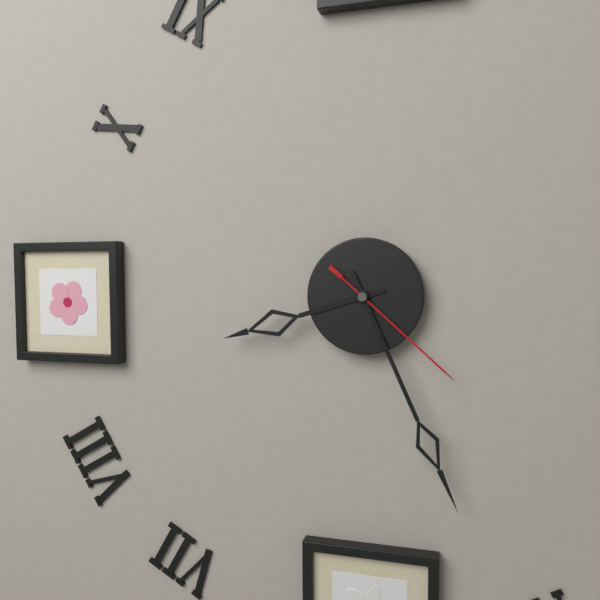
8:26:22
